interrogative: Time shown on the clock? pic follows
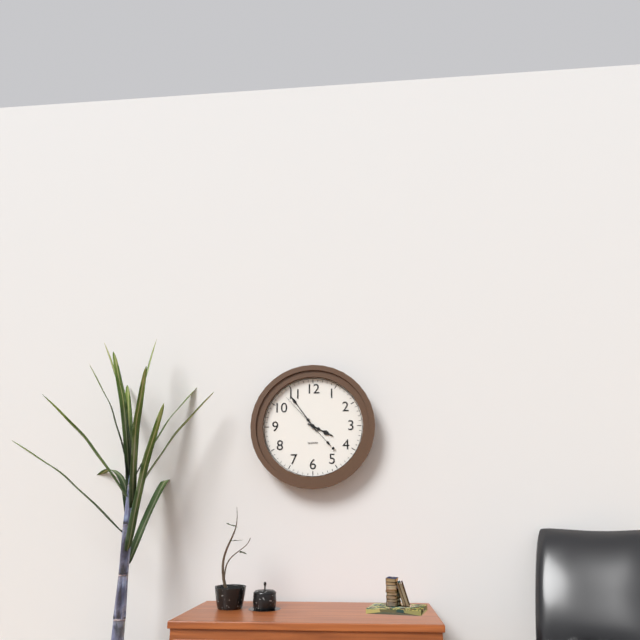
3:54
